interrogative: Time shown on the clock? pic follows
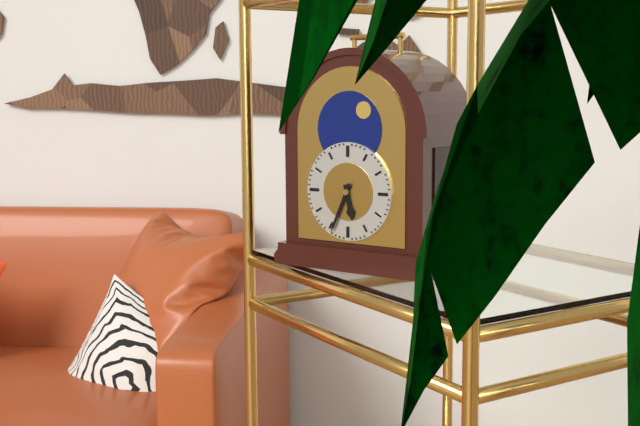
5:34
